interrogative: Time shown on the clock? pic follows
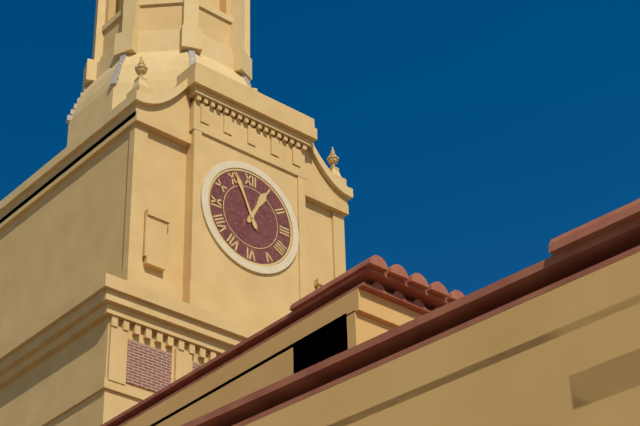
12:56
